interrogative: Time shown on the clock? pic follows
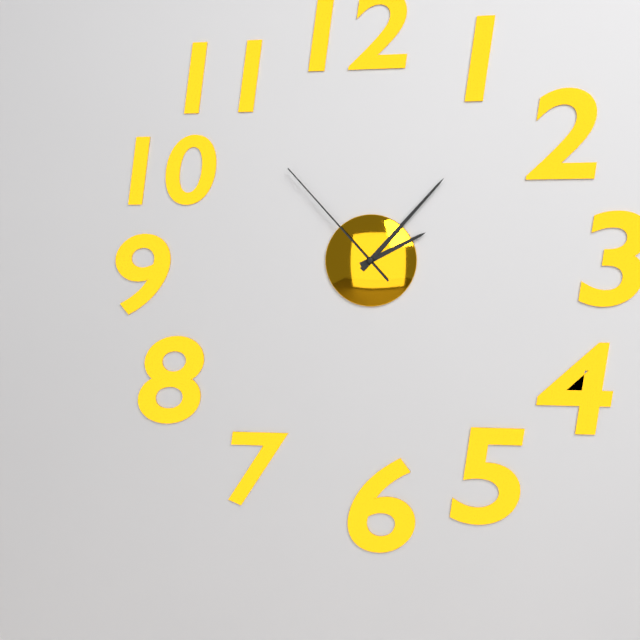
2:07:53
